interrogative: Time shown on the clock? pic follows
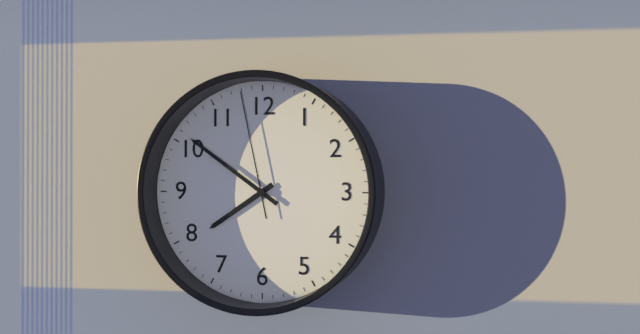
7:51:58
